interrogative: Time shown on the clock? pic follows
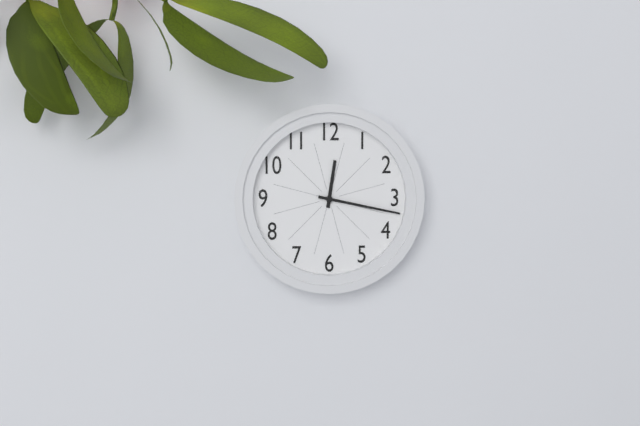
12:17
